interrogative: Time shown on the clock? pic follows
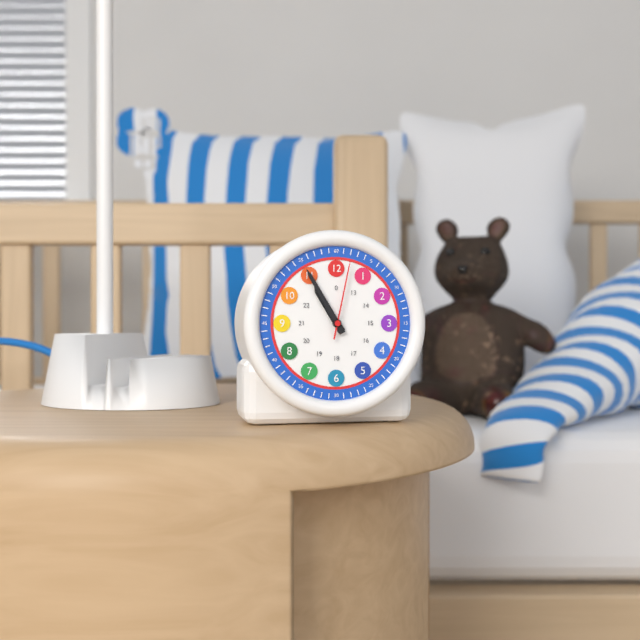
10:55:02
